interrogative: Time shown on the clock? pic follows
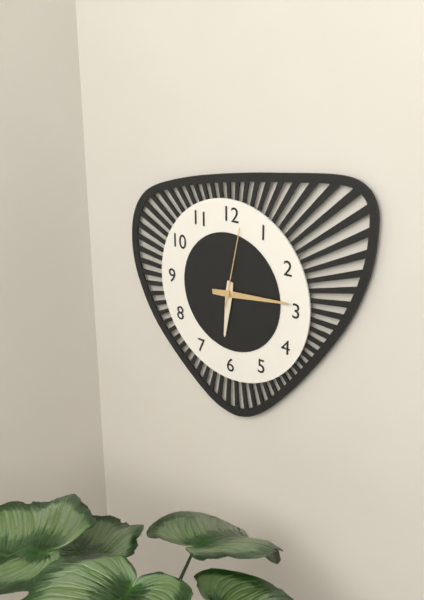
6:14:02
